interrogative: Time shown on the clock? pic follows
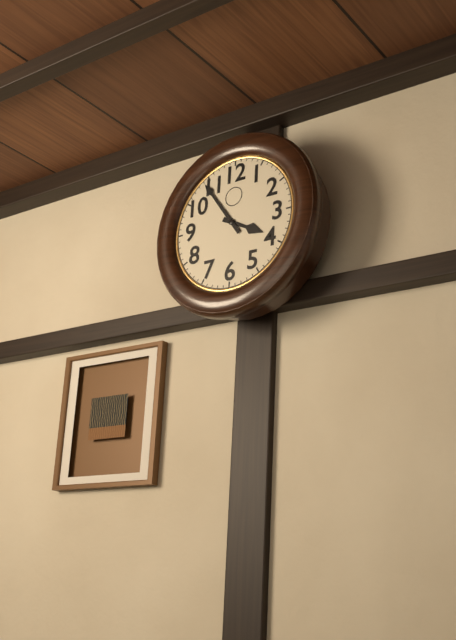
3:54
